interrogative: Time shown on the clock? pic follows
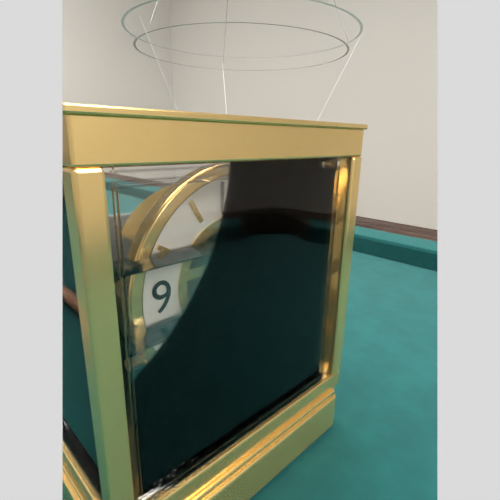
5:13
